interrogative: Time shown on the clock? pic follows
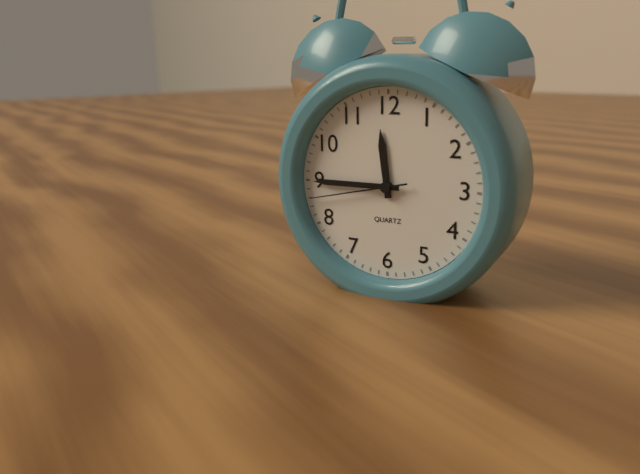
11:45:43
